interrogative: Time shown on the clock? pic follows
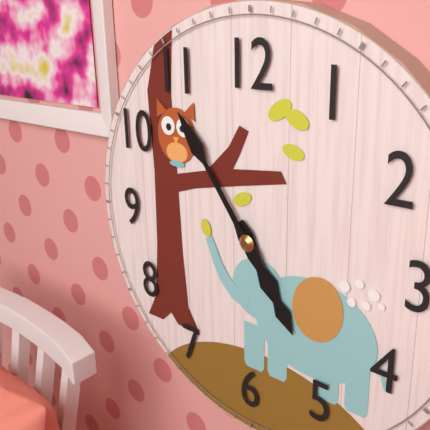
4:54
